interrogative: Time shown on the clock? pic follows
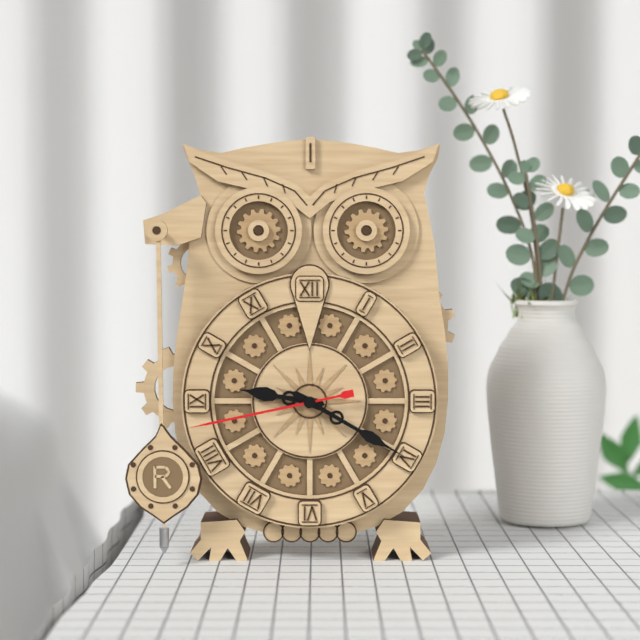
9:20:43
